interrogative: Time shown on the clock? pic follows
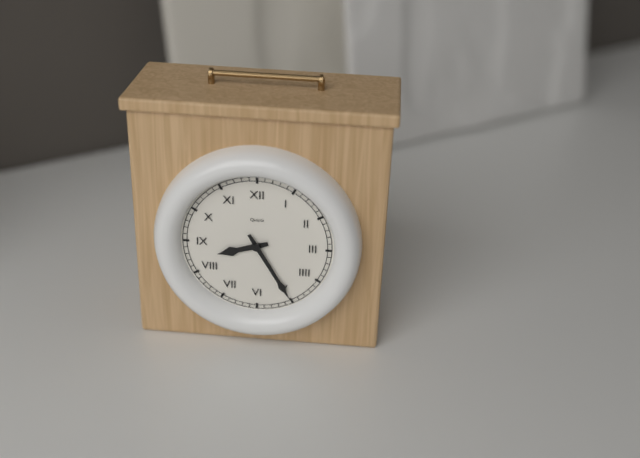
8:25
